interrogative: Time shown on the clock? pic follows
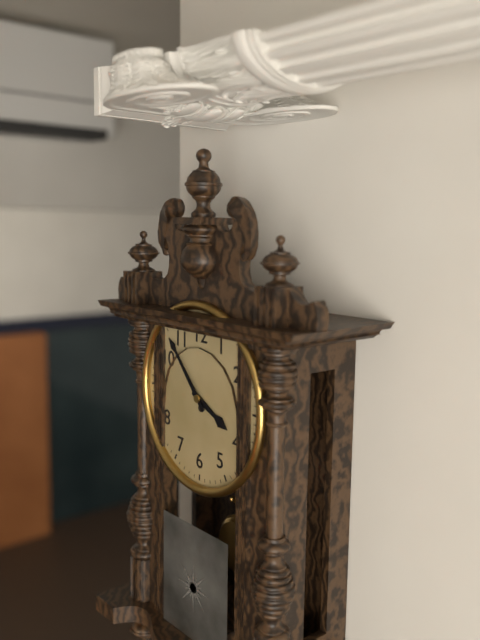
3:53
